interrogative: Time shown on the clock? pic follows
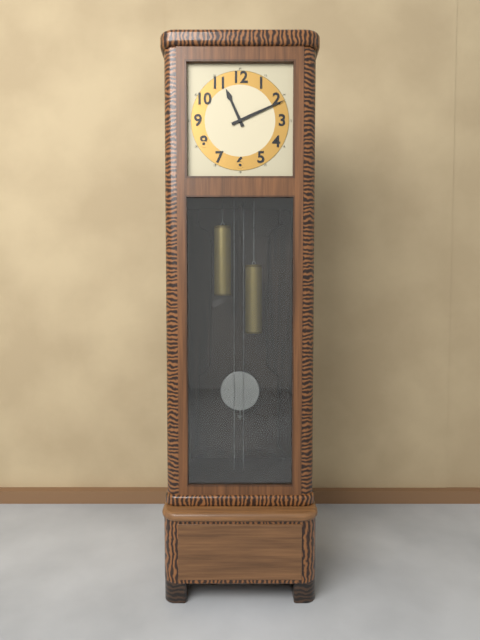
11:11
